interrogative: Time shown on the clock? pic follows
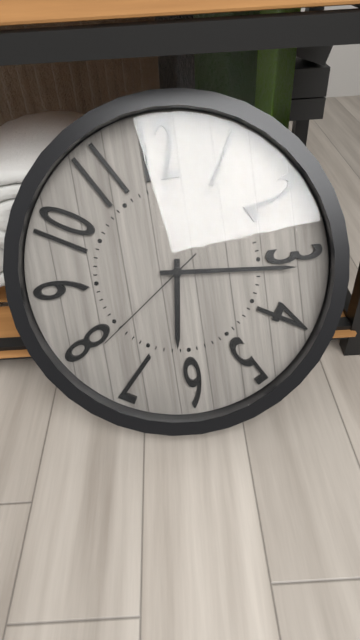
6:16:39
